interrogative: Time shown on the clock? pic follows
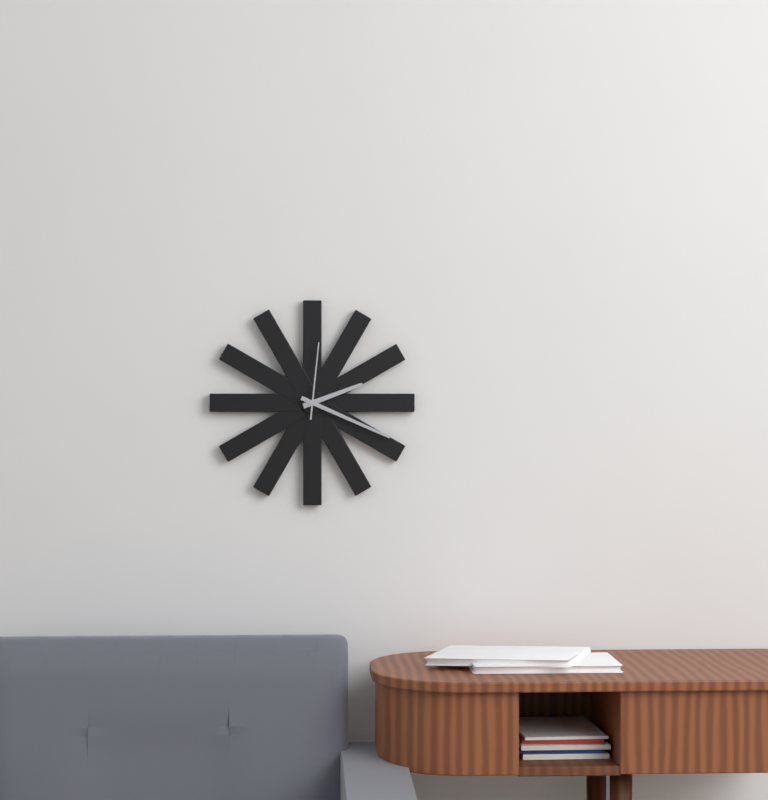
2:19:01
